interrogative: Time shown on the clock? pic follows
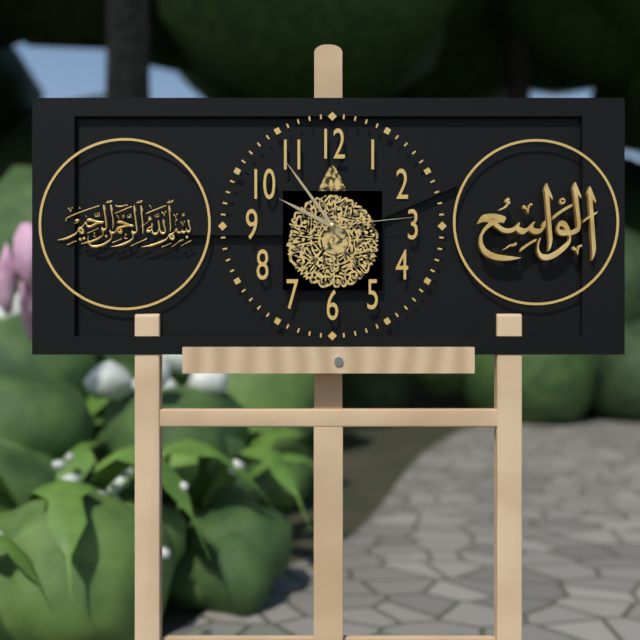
9:54:14
